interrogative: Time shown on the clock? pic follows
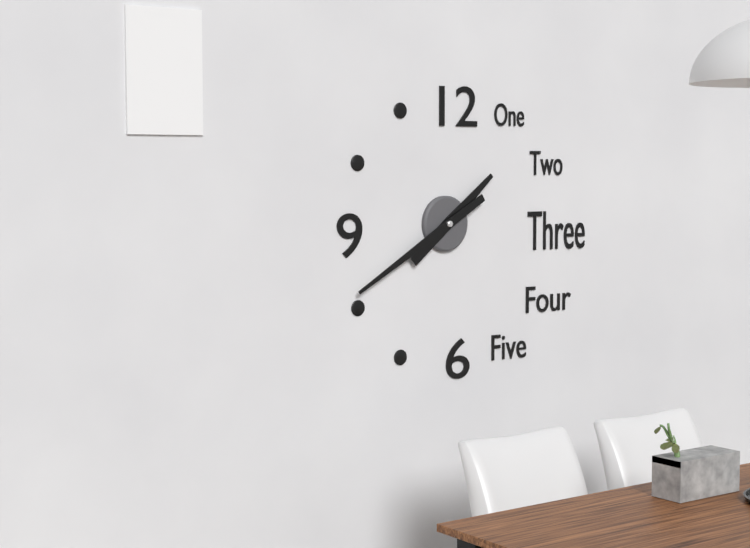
1:40
